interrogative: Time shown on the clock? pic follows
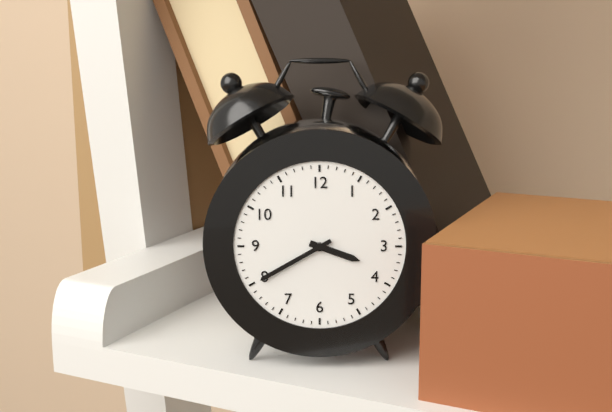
3:40
